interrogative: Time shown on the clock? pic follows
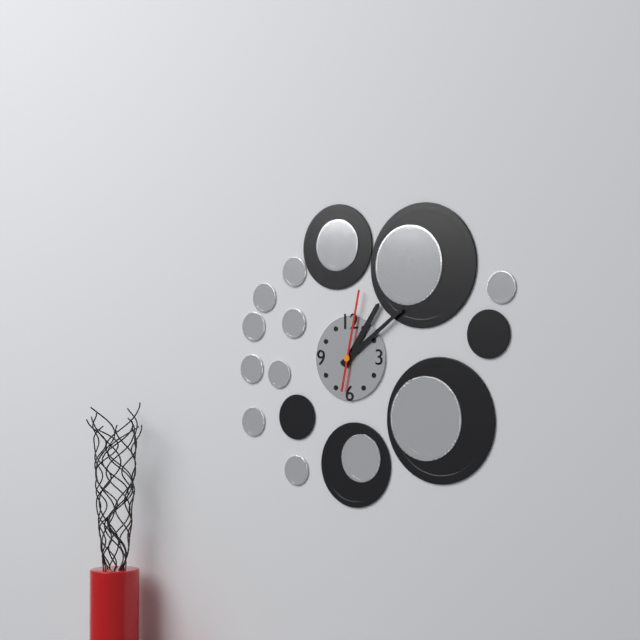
1:09:02
